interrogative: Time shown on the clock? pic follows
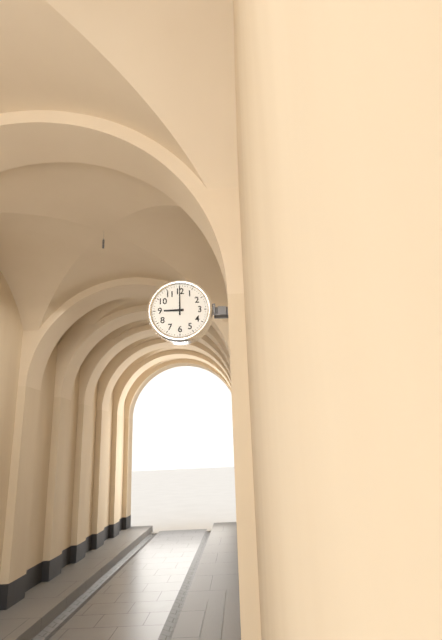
9:00
